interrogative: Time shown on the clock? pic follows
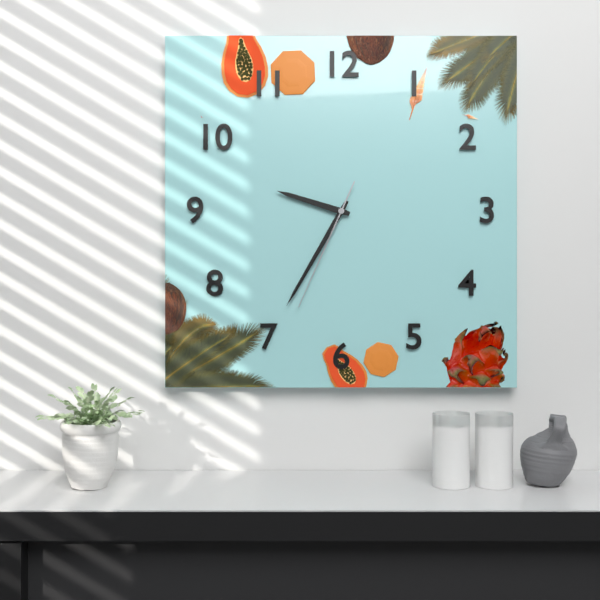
9:35:34
